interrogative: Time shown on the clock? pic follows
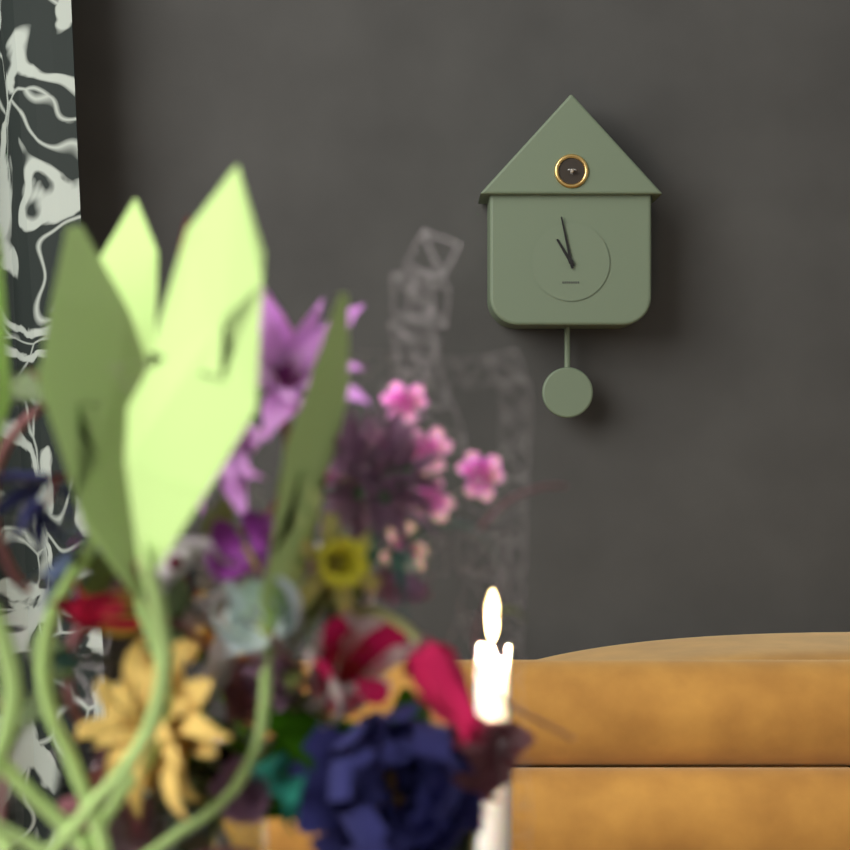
10:58
